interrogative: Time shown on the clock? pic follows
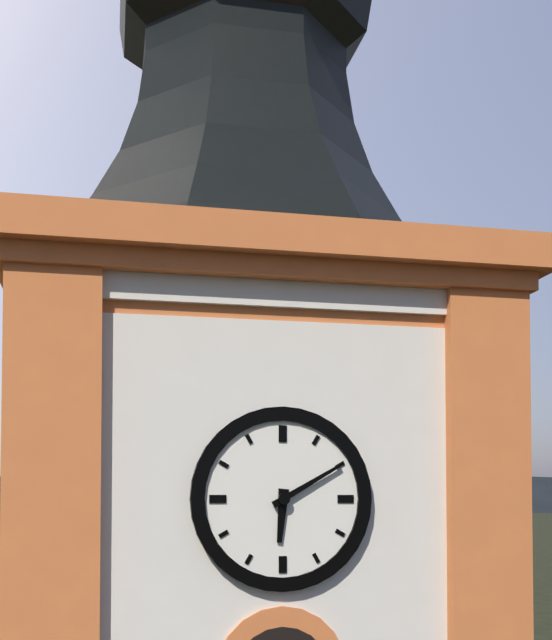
6:10
